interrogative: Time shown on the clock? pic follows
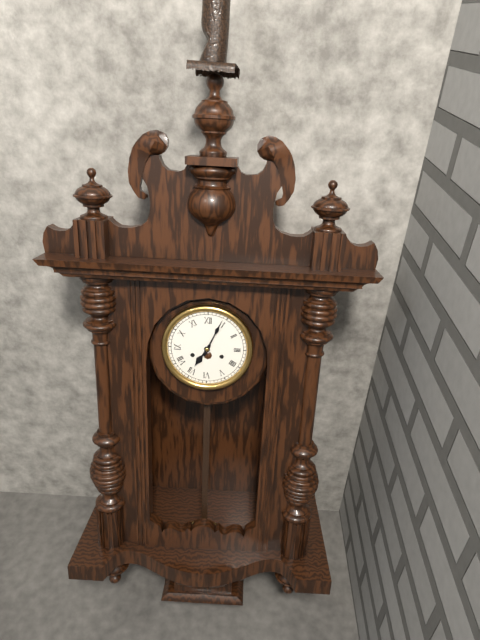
7:04
